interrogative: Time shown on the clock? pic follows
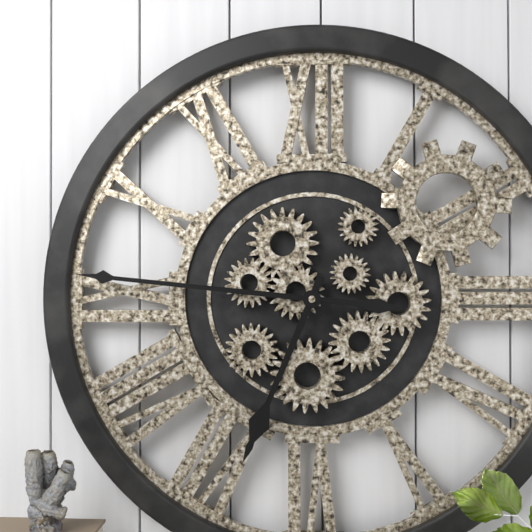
6:46
